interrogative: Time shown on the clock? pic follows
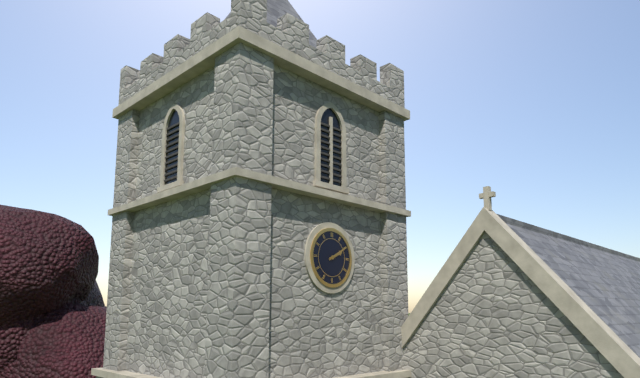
2:10
